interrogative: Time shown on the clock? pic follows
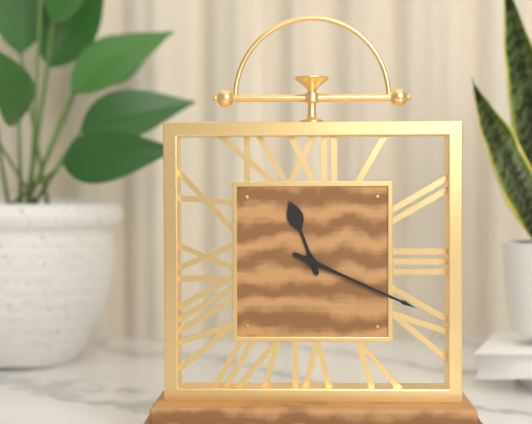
11:19
